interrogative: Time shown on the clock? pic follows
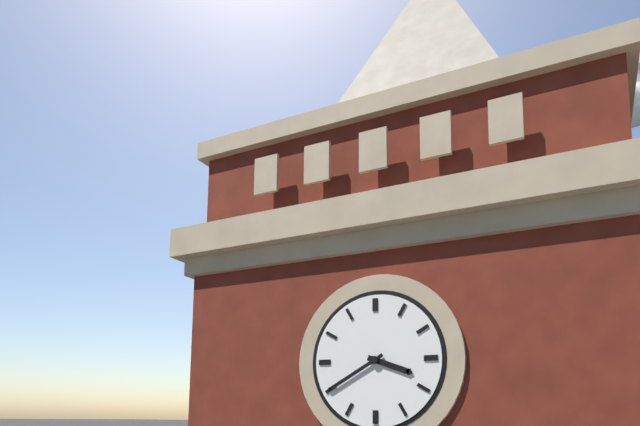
3:40
